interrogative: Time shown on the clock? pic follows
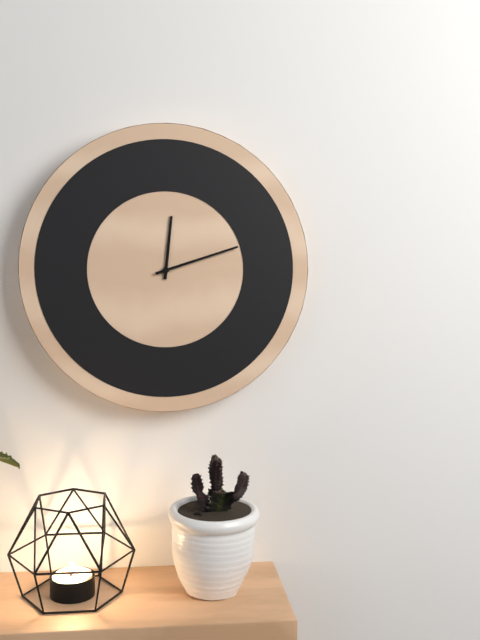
12:12
